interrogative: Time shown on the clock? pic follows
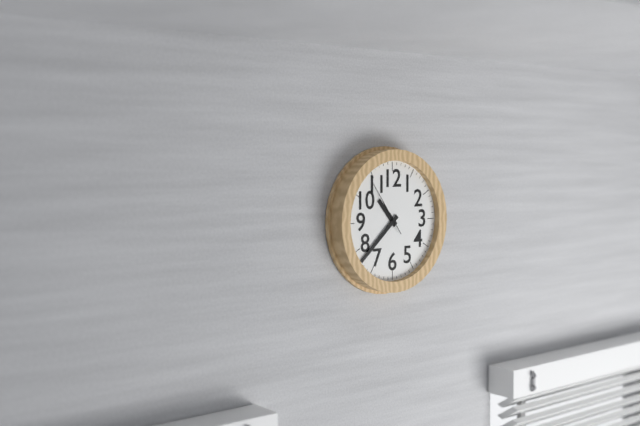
10:38:54
